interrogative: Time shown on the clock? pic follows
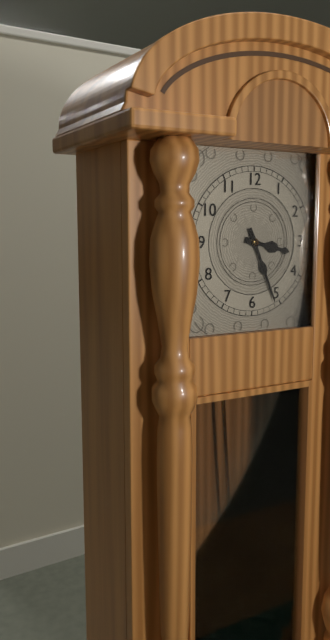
3:26
